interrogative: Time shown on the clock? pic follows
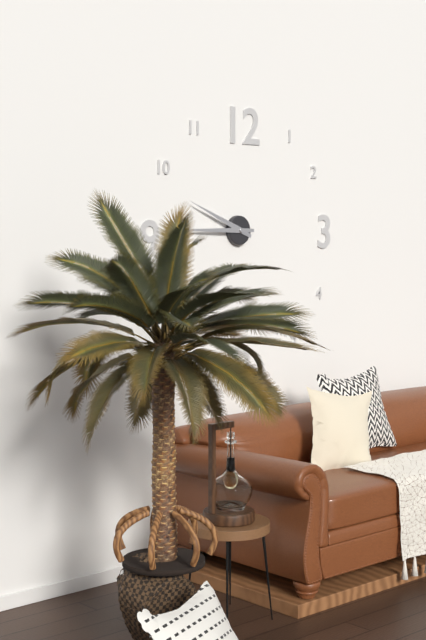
9:45
